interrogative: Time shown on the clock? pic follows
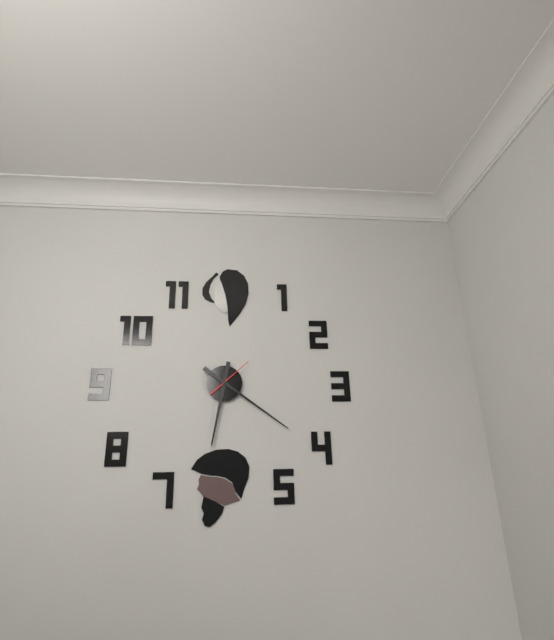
6:21
